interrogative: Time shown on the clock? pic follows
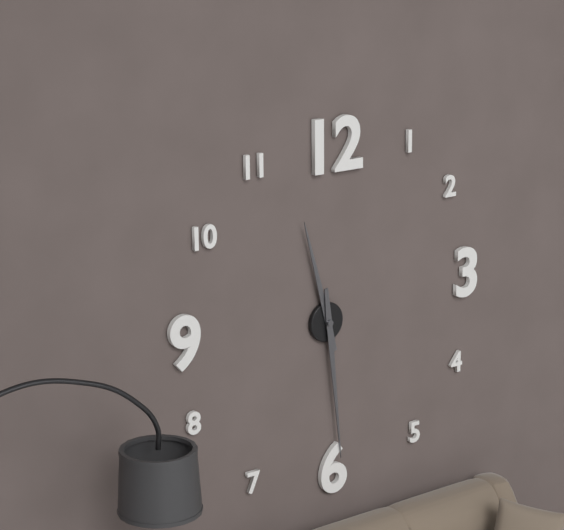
11:29
